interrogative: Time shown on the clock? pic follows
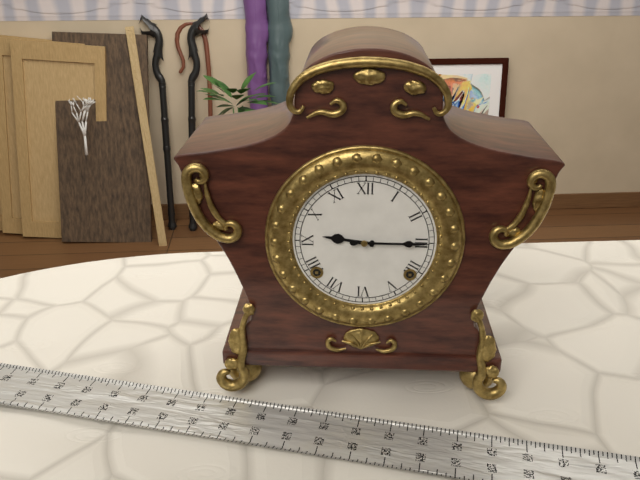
9:15
